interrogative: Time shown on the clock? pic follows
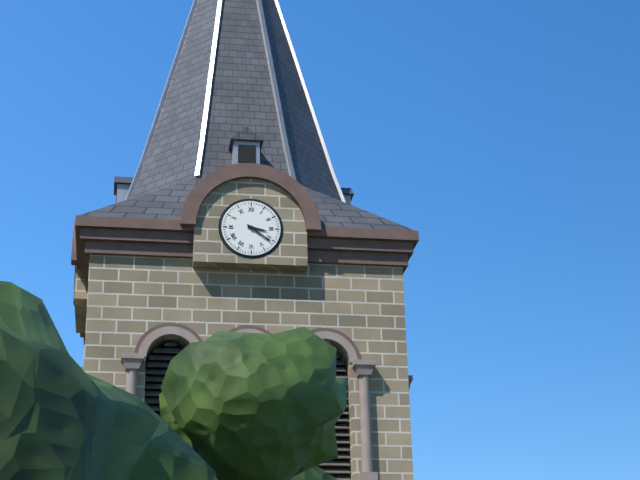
3:21
